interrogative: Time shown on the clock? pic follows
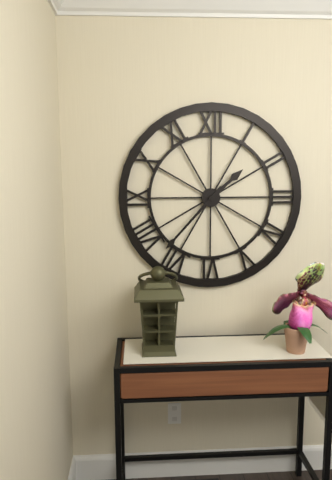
1:37
